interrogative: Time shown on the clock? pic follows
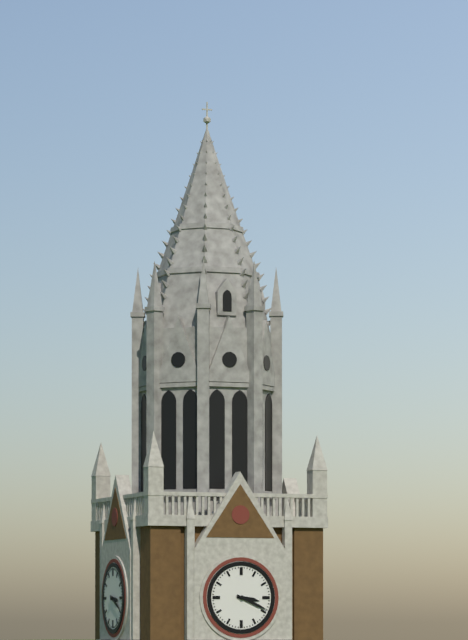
3:19
